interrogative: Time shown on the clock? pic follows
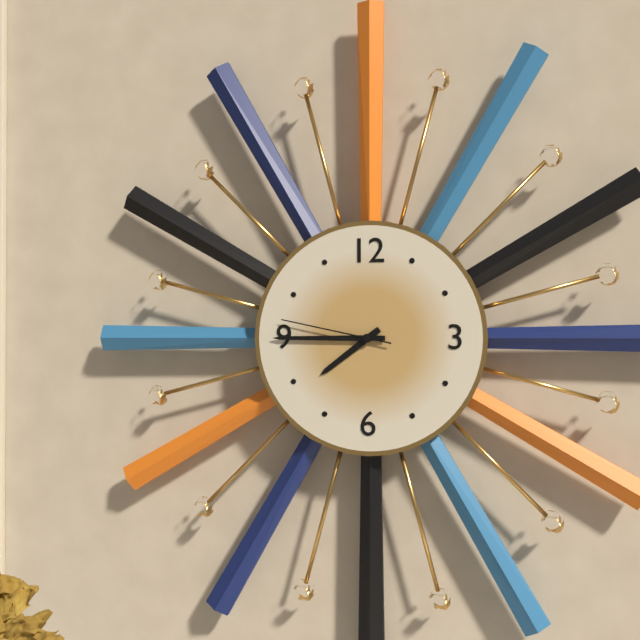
7:45:47
